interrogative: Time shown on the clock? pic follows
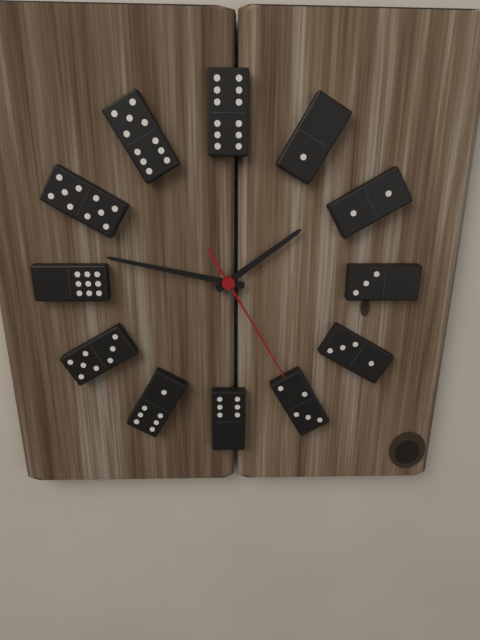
1:47:25
